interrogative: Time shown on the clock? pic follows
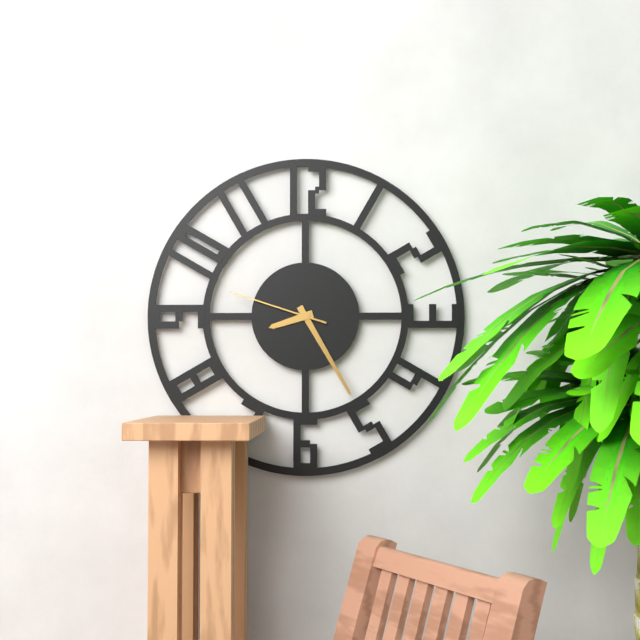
8:25:48
